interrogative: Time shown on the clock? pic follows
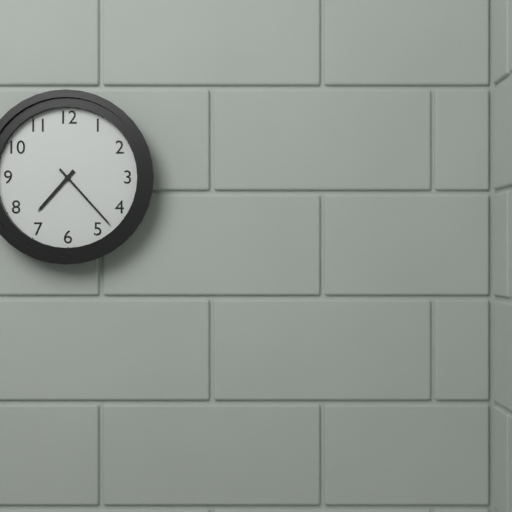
7:23
